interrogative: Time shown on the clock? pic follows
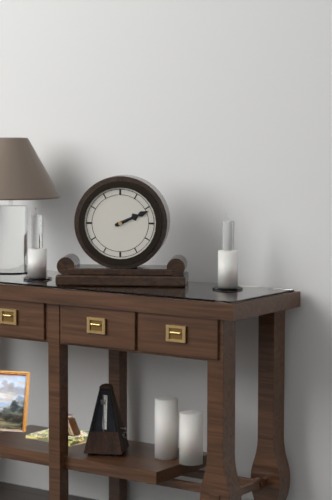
2:11
